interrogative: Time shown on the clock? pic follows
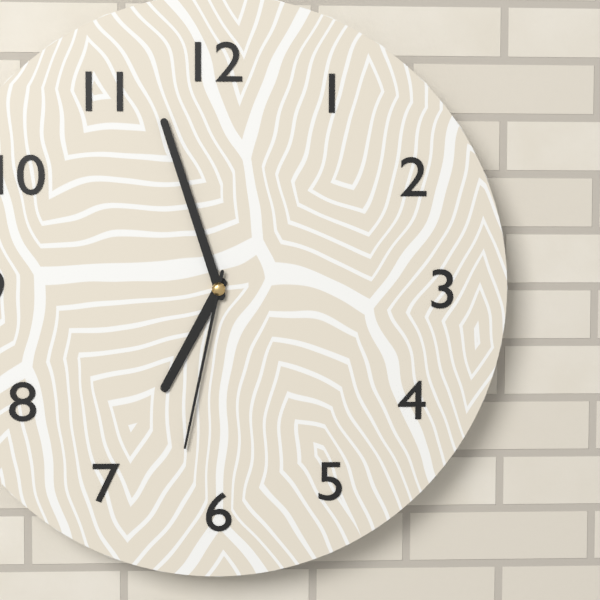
6:57:32
